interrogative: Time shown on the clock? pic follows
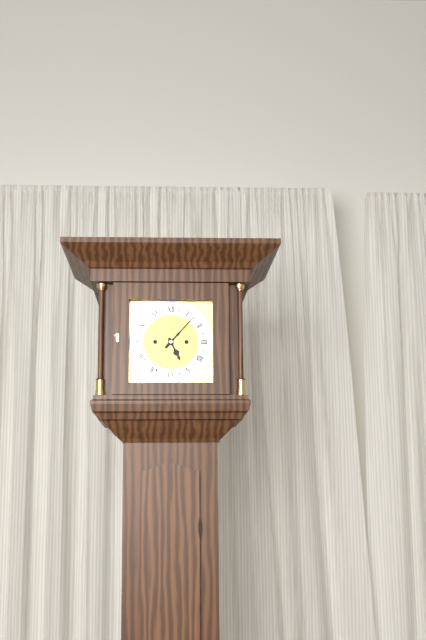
5:07
